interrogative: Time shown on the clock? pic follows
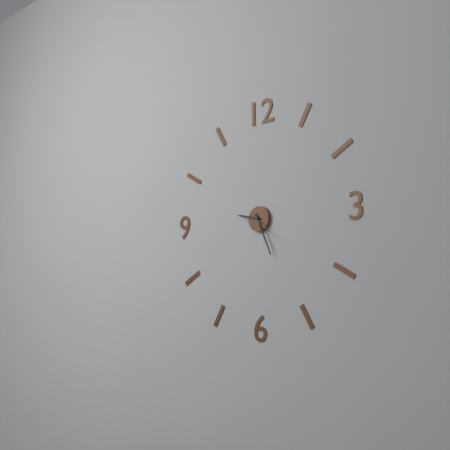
9:26
